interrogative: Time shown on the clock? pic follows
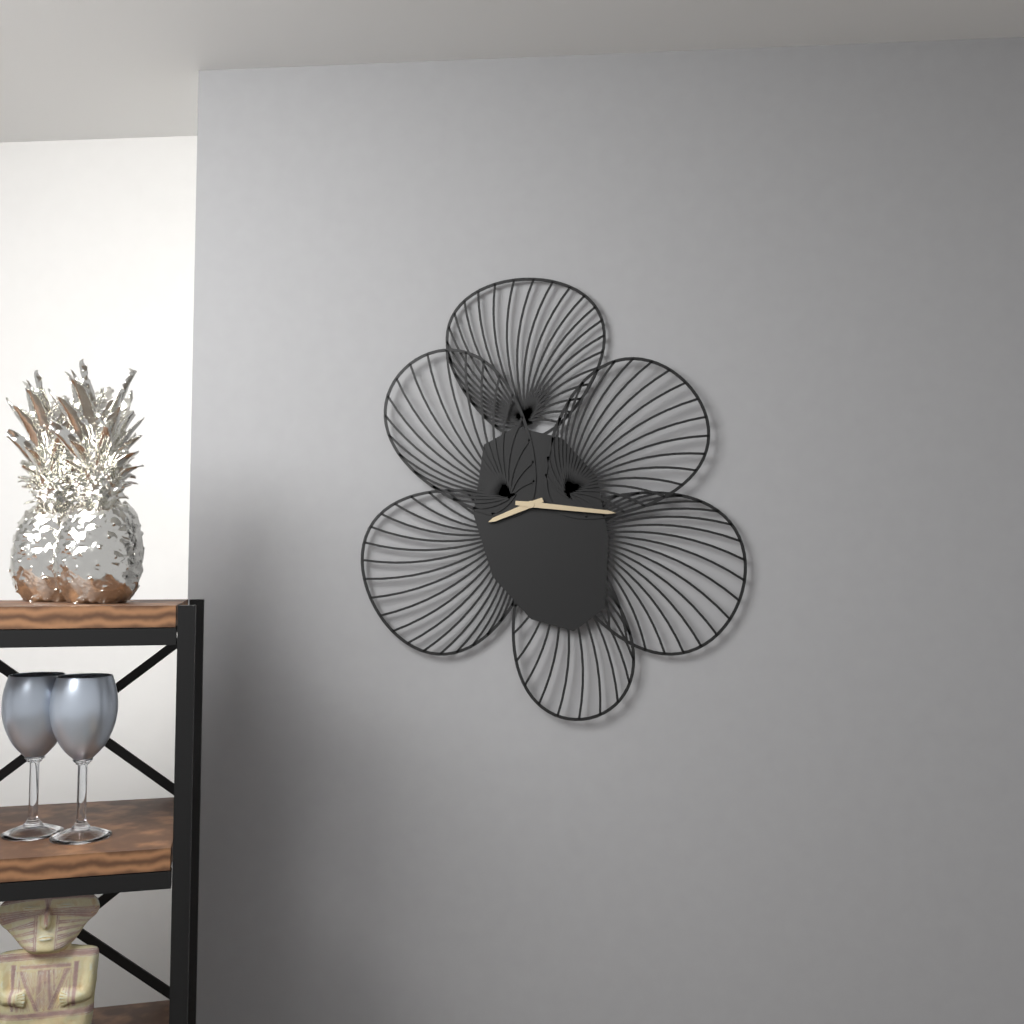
8:16
